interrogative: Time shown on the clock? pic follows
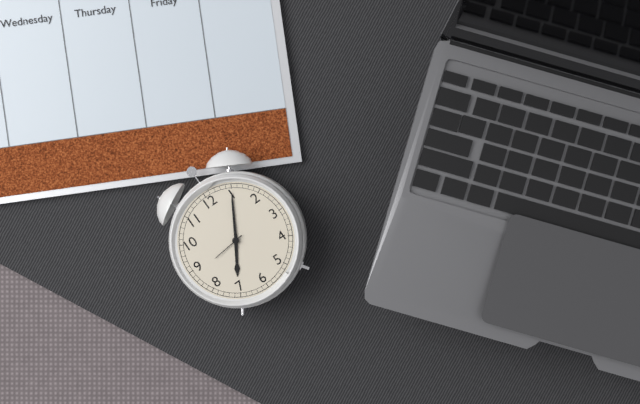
7:05
